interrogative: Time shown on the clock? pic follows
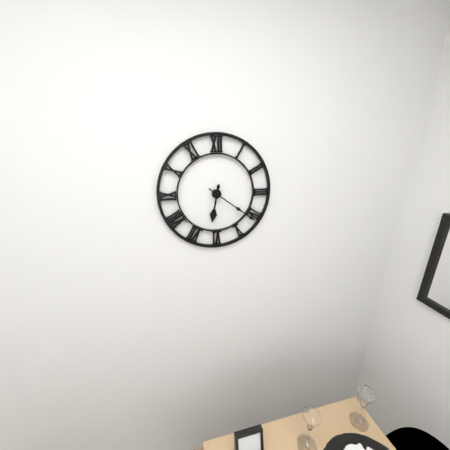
6:21
